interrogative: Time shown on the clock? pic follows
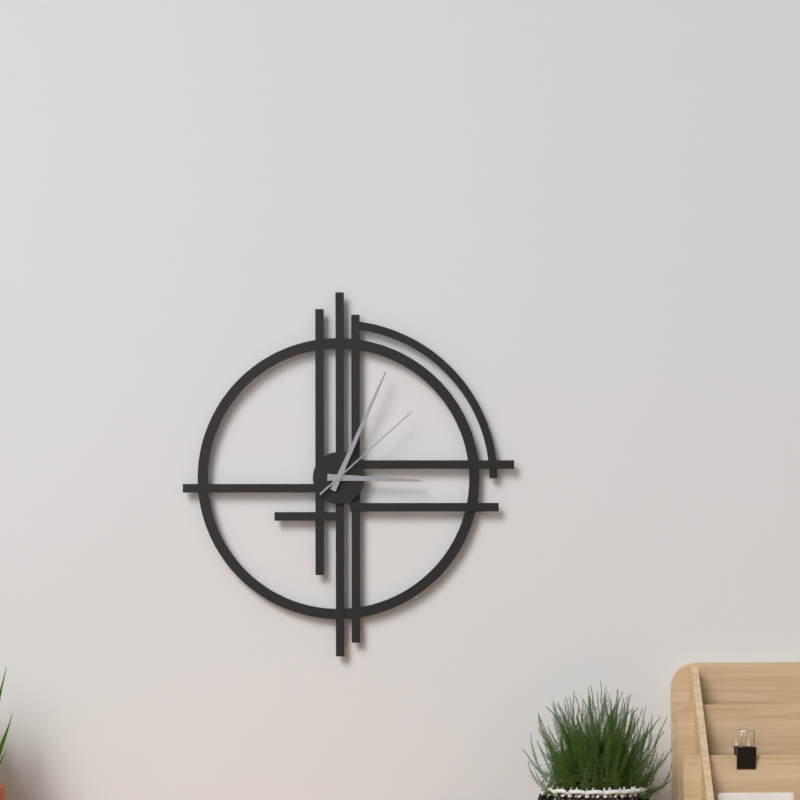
3:04:08
